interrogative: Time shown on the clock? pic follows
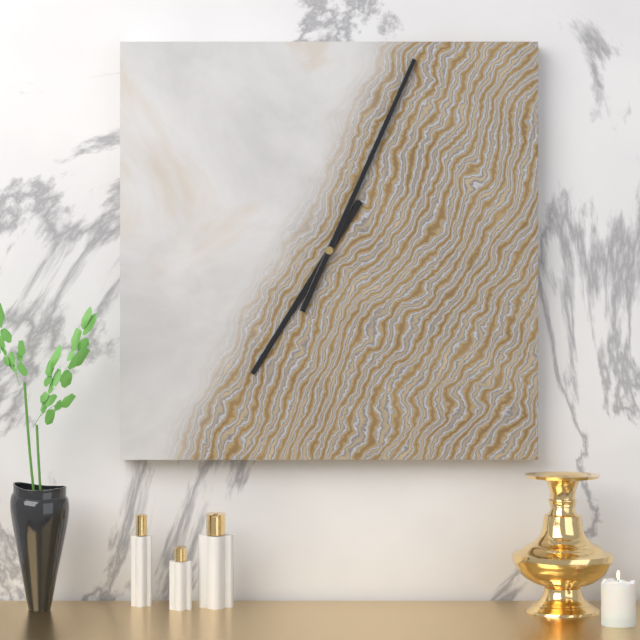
7:04
